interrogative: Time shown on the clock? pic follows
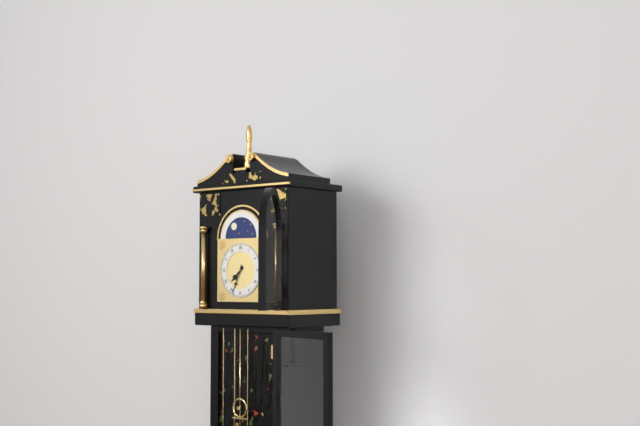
7:34
